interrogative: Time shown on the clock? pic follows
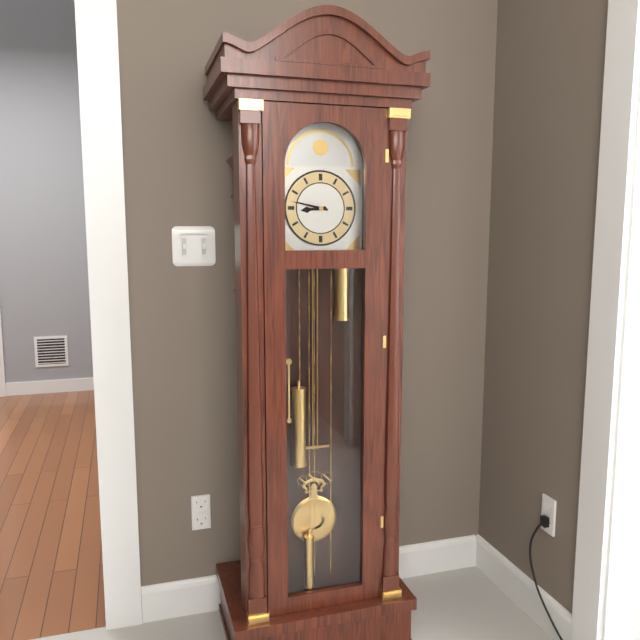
8:47
